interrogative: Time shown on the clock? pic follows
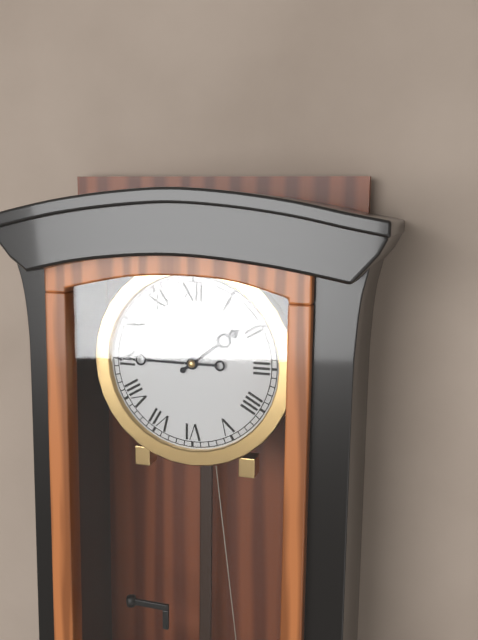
1:45
